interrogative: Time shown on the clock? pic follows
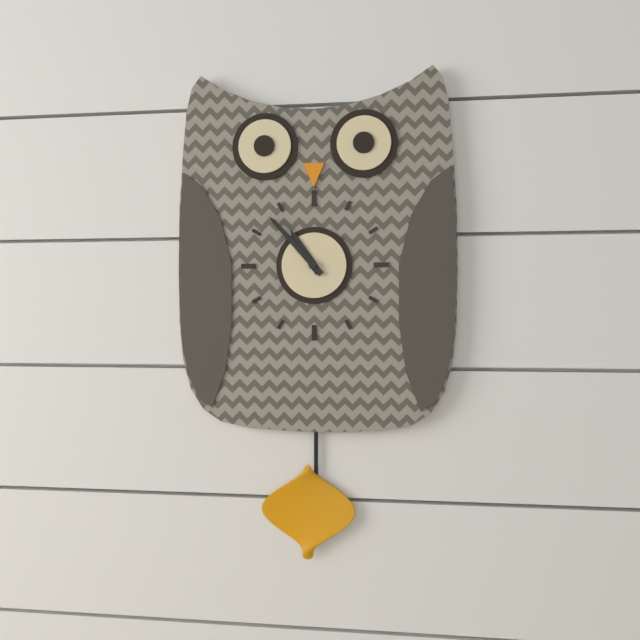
10:53
